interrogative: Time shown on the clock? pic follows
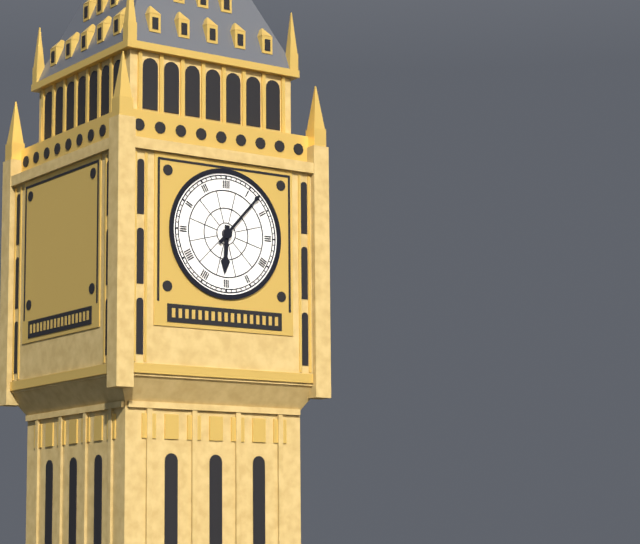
6:07
